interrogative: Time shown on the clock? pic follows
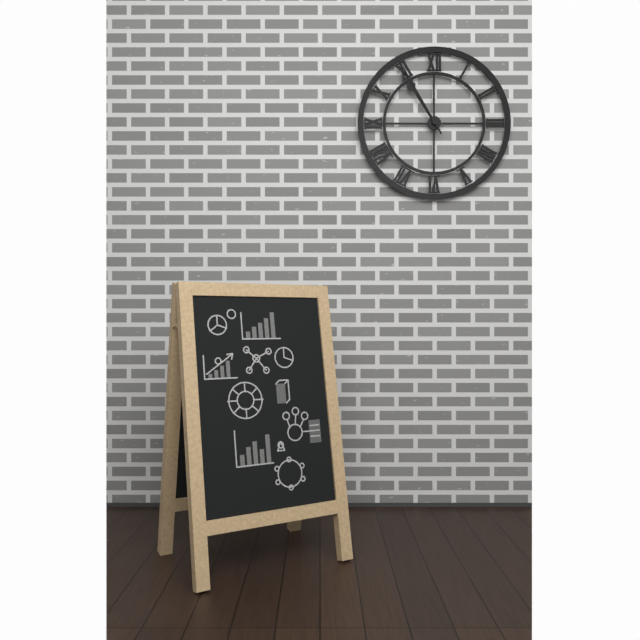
10:55
